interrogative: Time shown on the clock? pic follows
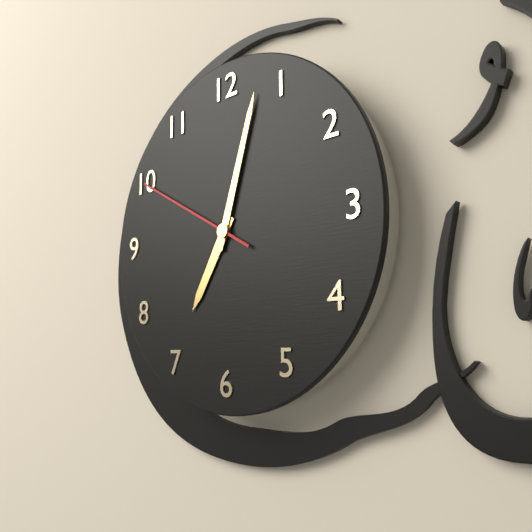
7:03:50
